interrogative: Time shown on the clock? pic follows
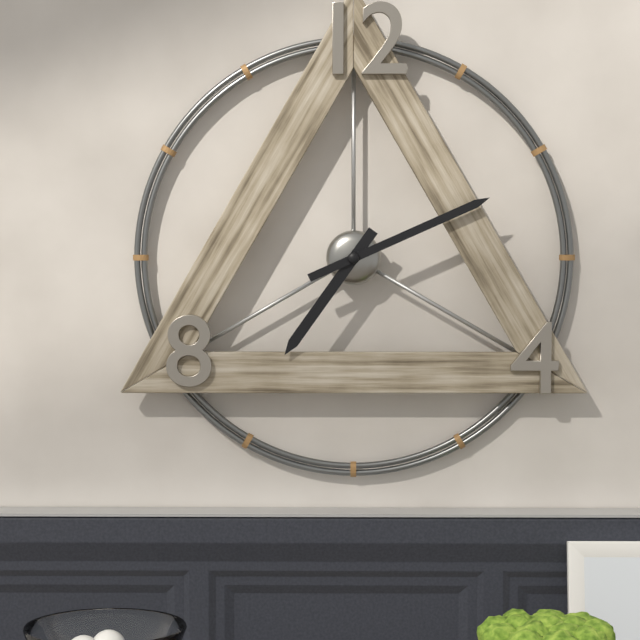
7:11
